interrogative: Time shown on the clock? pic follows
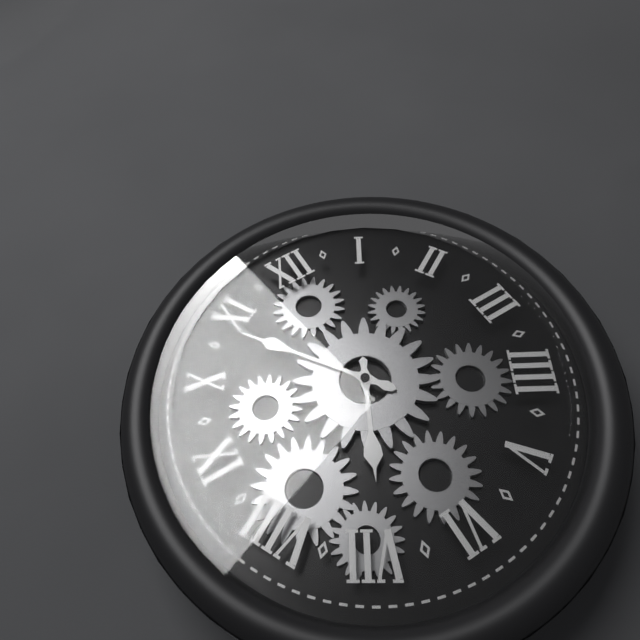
6:54
